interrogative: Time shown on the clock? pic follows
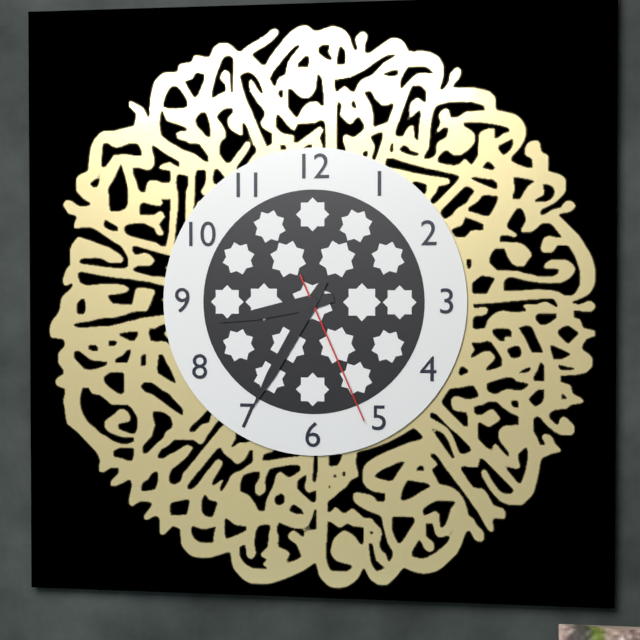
8:35:26
